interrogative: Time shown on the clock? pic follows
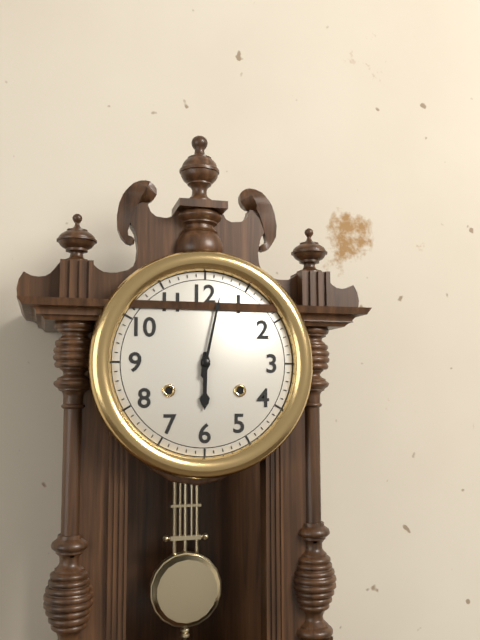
6:02
